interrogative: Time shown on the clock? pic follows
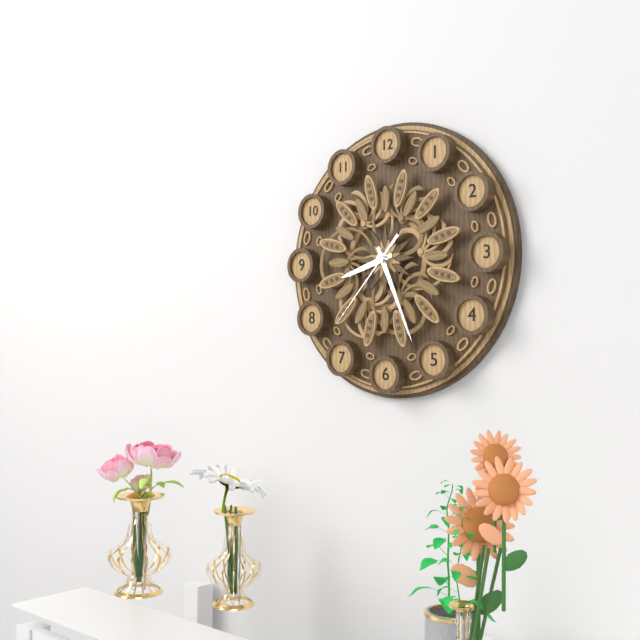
8:26:37
